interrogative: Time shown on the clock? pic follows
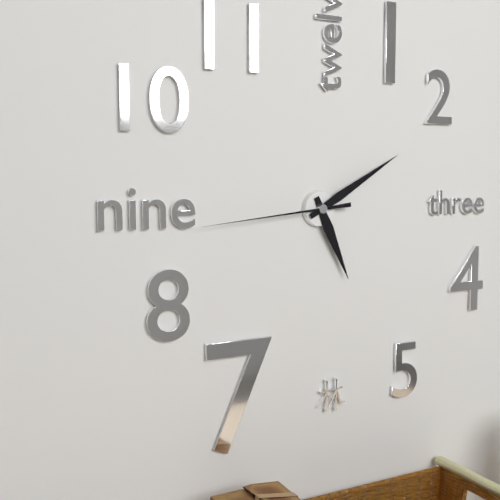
5:10:44
